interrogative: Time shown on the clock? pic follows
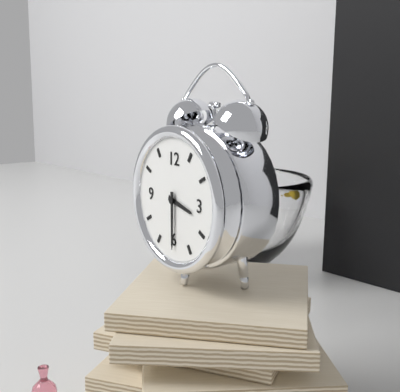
3:30
